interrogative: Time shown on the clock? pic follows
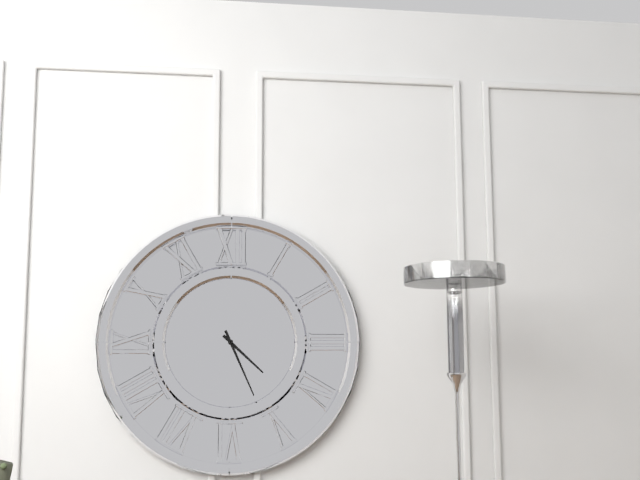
4:26
